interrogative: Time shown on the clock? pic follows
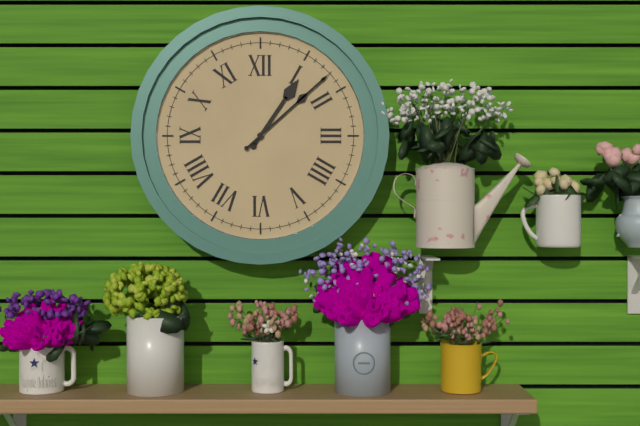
1:08
